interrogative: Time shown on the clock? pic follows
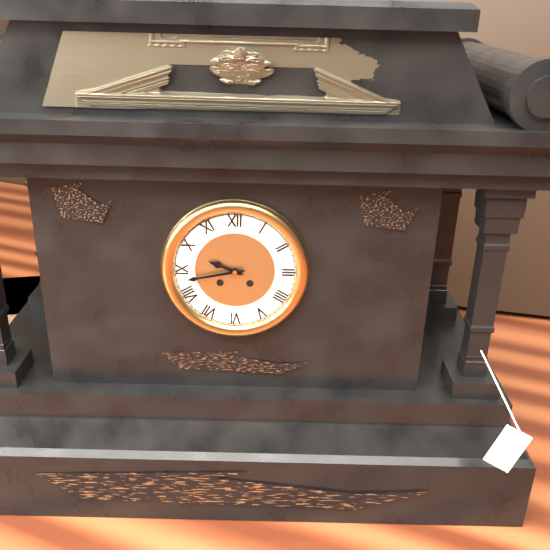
9:43
